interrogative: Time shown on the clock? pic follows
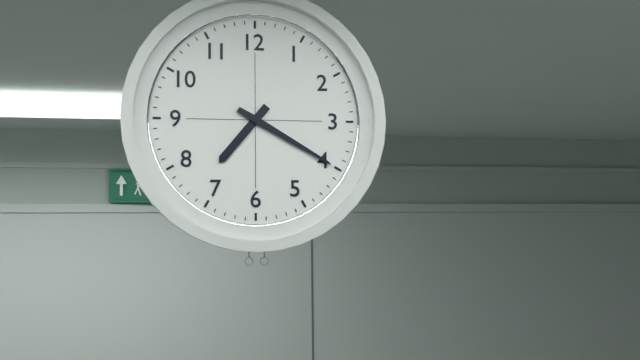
7:20
